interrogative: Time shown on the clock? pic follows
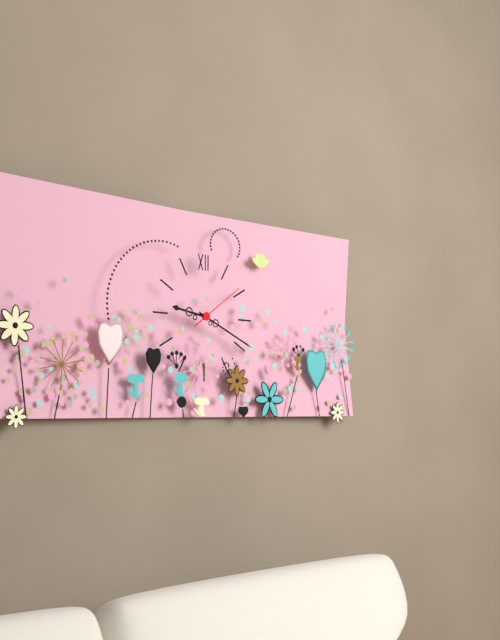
9:19:09
